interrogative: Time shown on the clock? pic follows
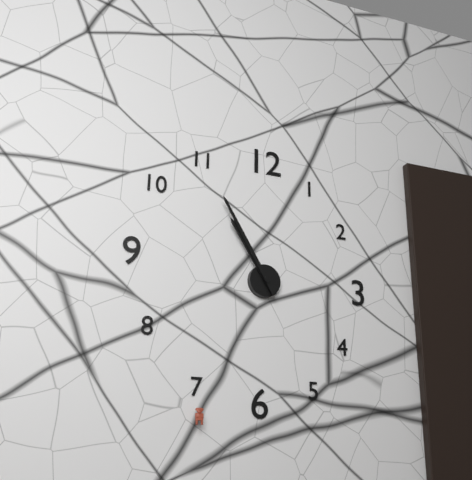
10:55
